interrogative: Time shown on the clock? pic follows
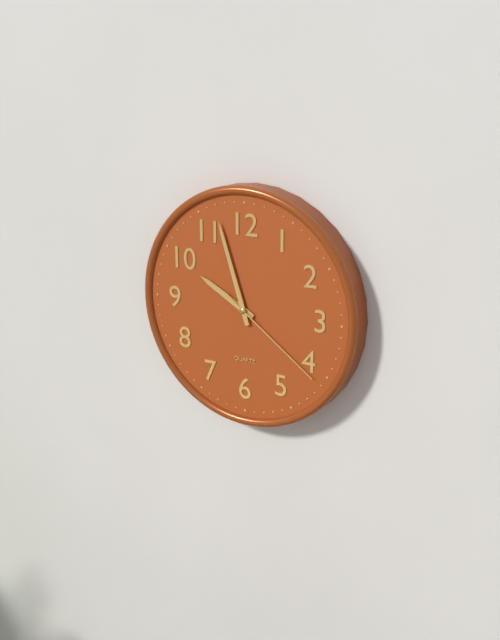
9:57:21
